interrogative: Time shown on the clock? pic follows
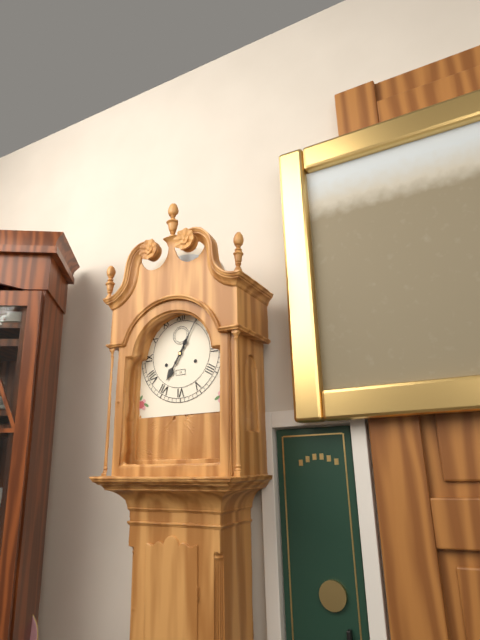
7:05
